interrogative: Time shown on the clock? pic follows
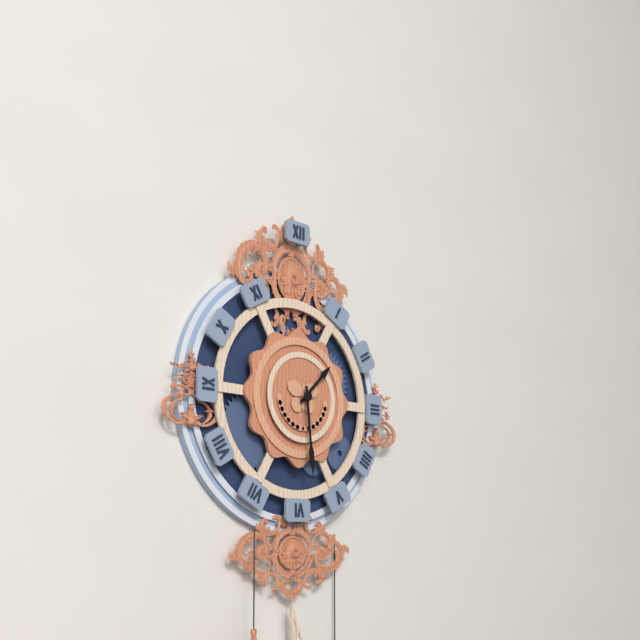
1:29
